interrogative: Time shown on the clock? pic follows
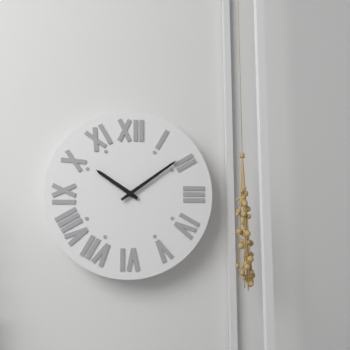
10:09
